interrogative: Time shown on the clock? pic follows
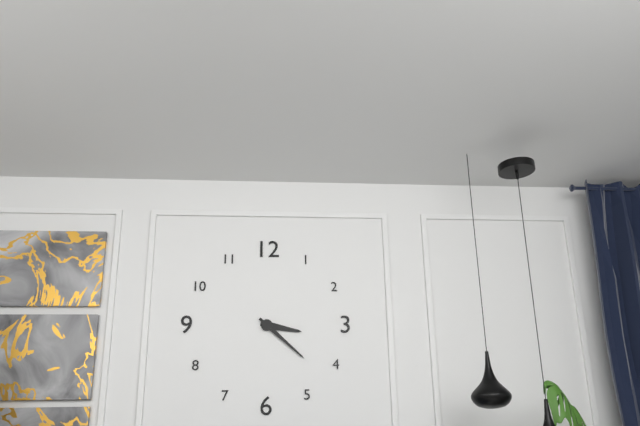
3:22
